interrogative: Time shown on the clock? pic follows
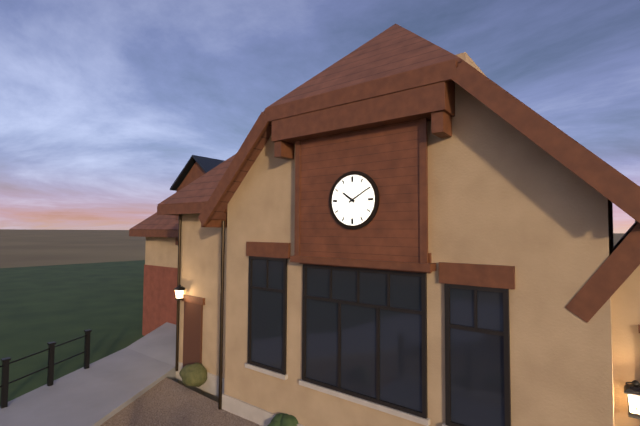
10:10
